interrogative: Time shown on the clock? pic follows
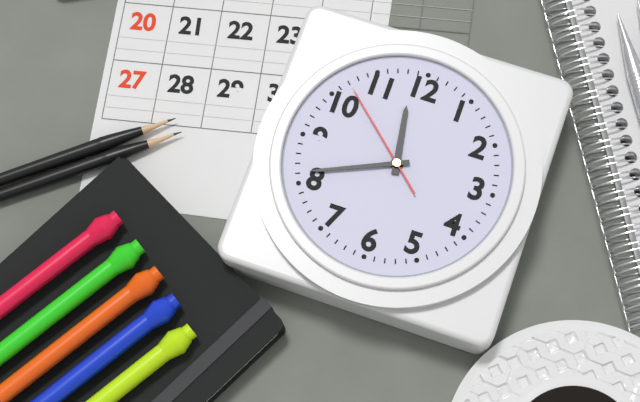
11:41:52
